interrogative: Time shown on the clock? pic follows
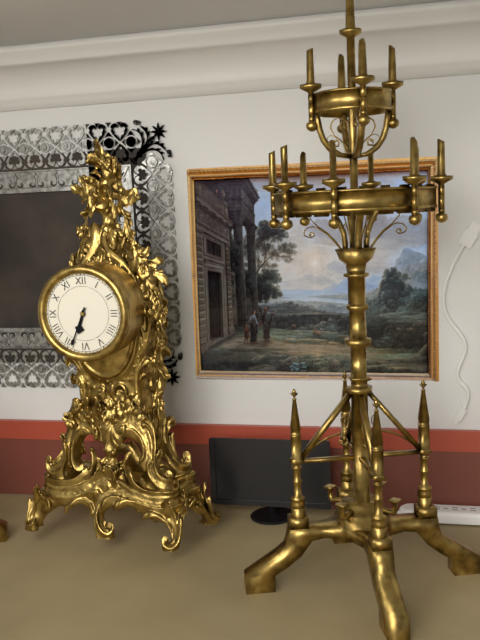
6:34
